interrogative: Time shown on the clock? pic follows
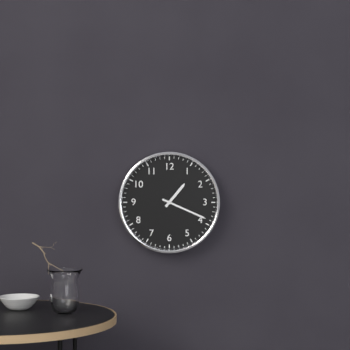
1:19
